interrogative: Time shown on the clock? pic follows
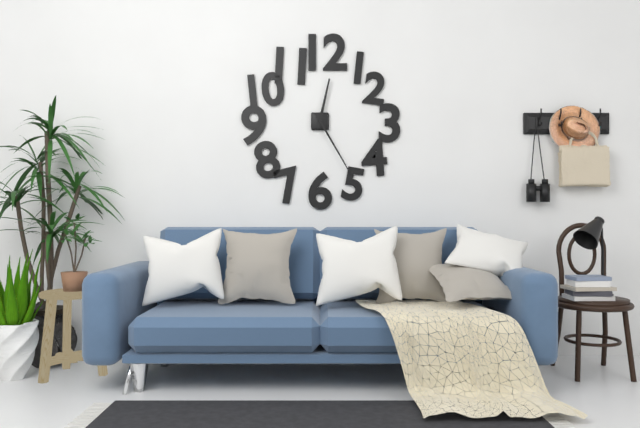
12:25
